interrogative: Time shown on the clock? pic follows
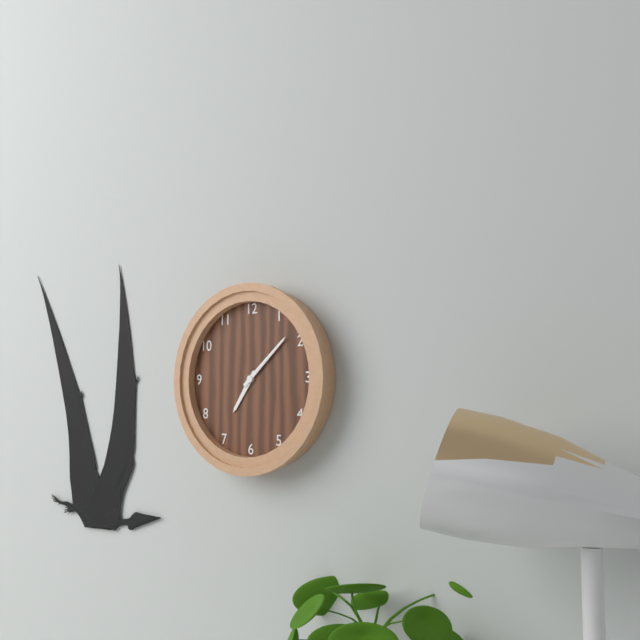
7:08
